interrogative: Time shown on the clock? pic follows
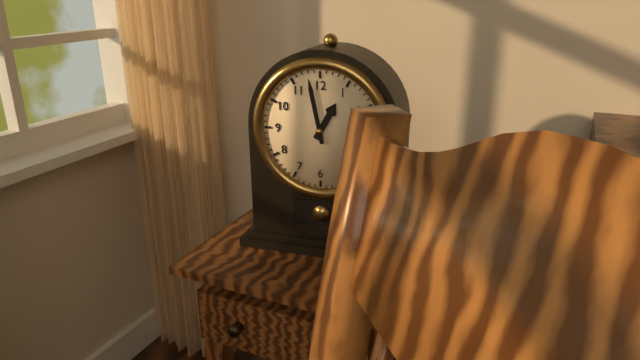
12:58
